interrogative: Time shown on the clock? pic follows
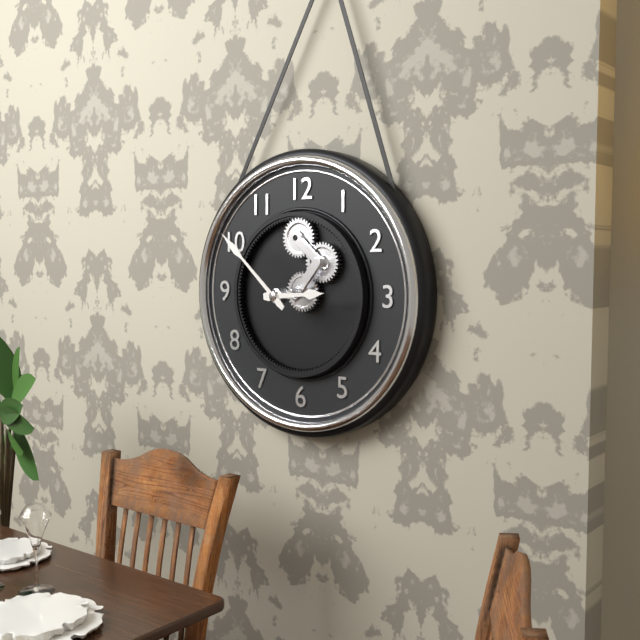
2:52
